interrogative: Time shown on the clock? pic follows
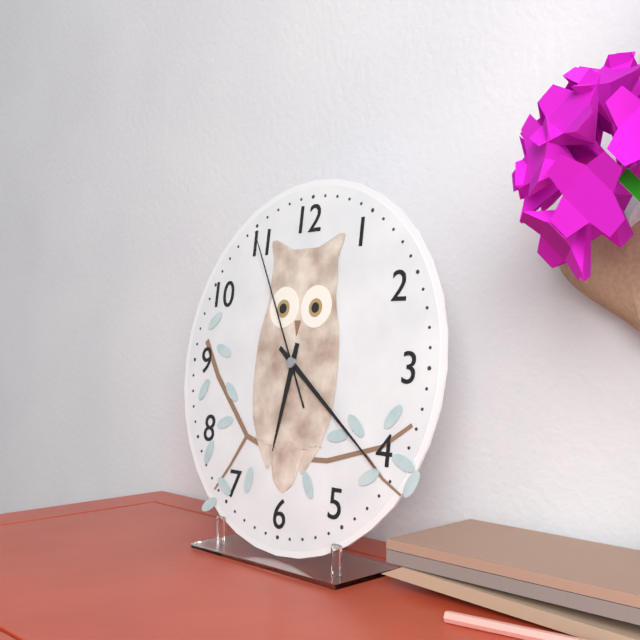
6:21:55
